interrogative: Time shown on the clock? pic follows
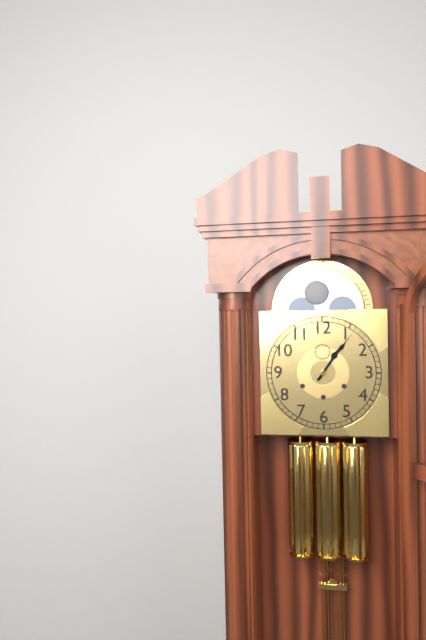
1:06
